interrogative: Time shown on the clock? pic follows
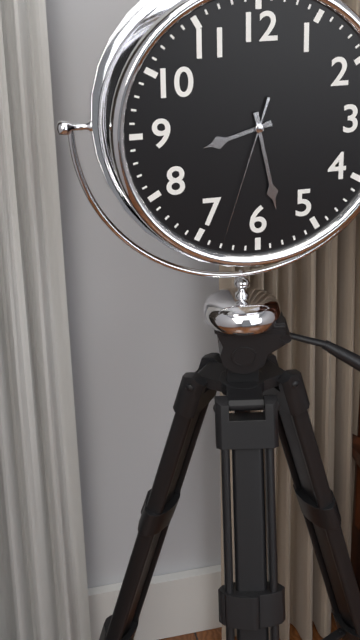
8:28:33
